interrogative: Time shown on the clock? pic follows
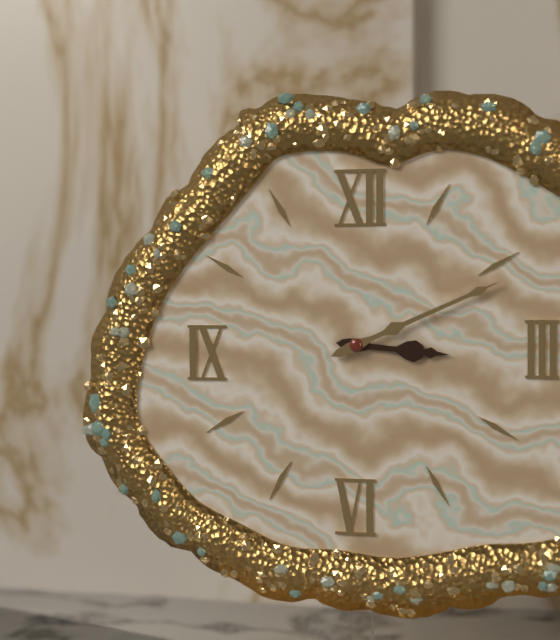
3:11
